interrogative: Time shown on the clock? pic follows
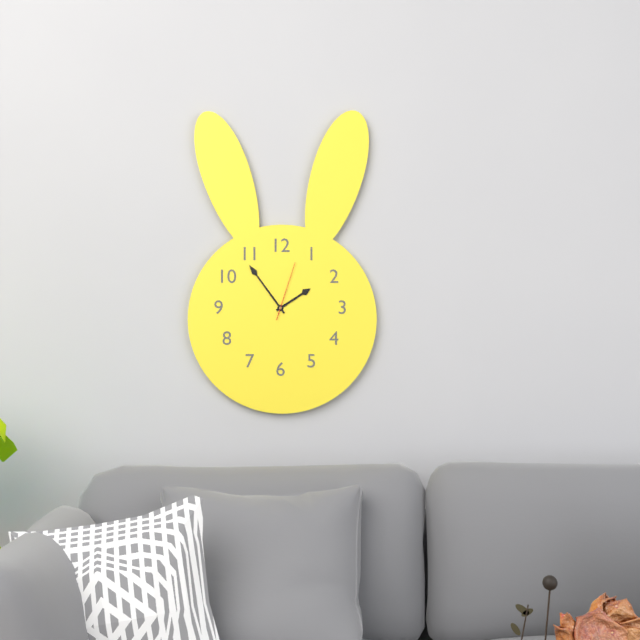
1:54:03
